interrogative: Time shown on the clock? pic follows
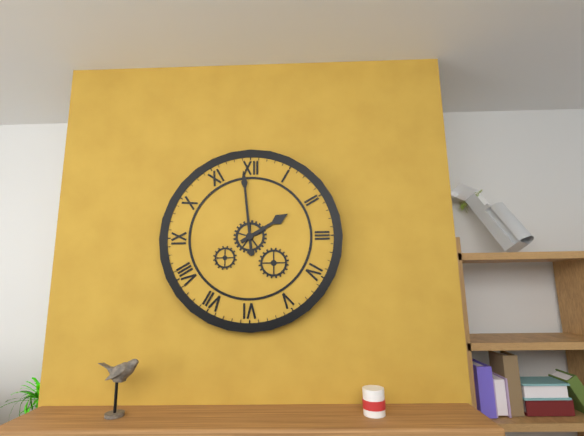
1:59
